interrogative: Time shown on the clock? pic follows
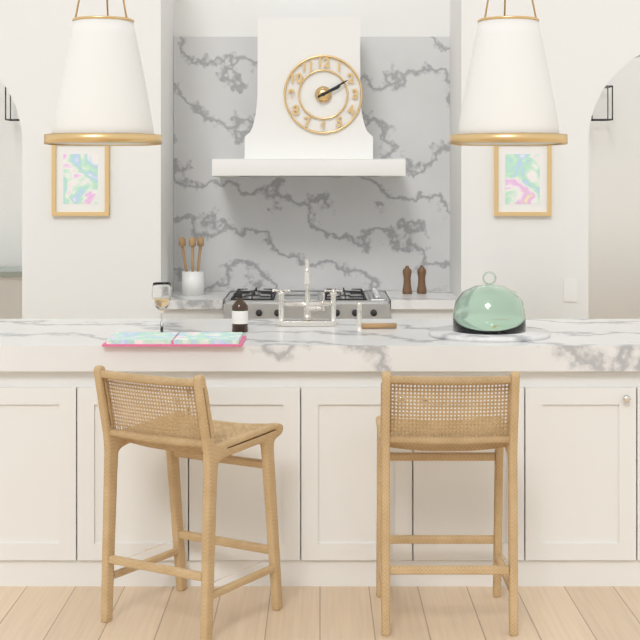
2:10
